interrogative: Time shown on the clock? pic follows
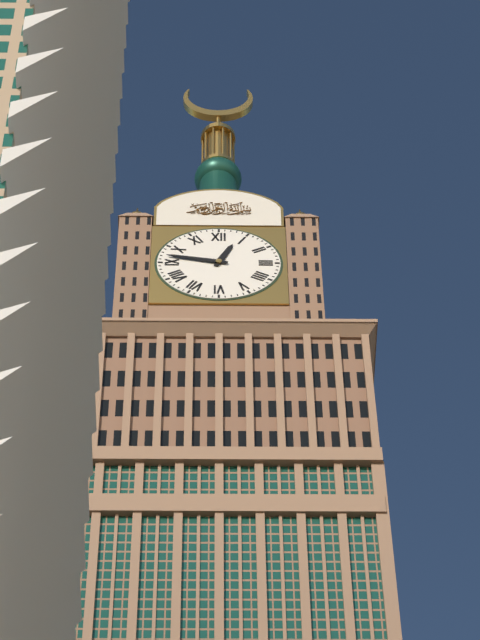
12:47
